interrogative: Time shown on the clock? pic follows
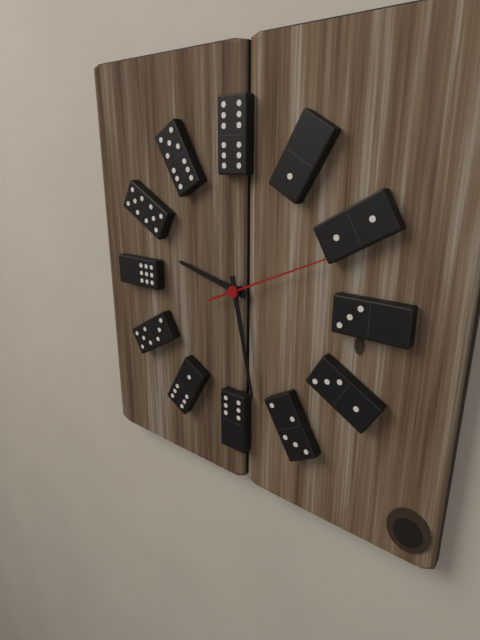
9:28:11
